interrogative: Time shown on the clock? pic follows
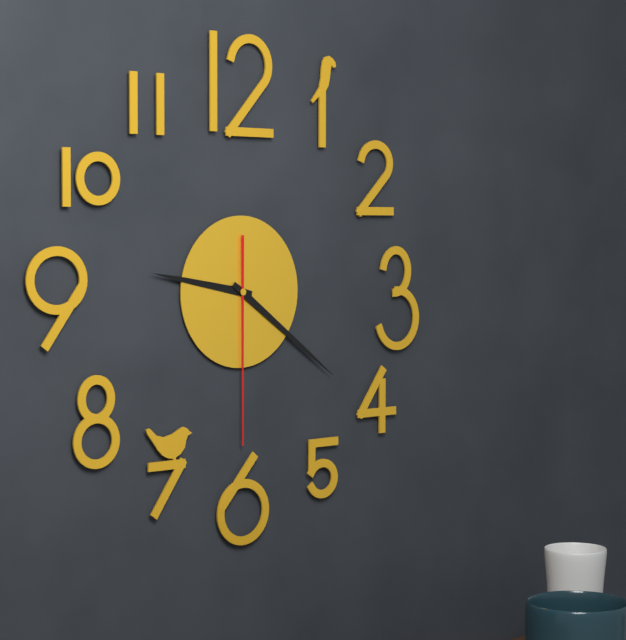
9:21:30
